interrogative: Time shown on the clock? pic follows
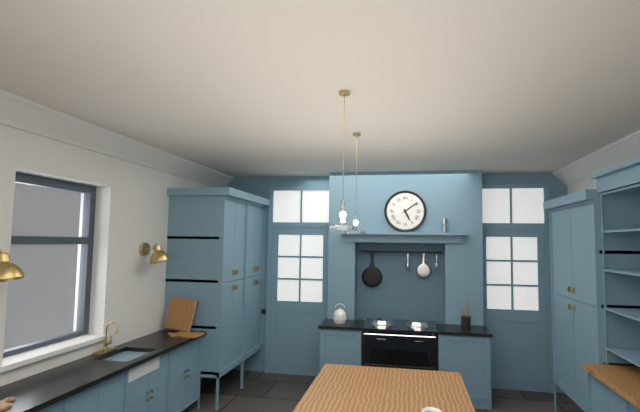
5:09
